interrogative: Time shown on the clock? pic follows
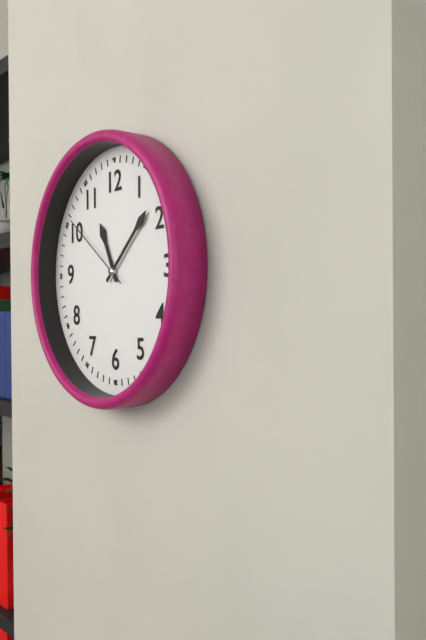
11:08:51
